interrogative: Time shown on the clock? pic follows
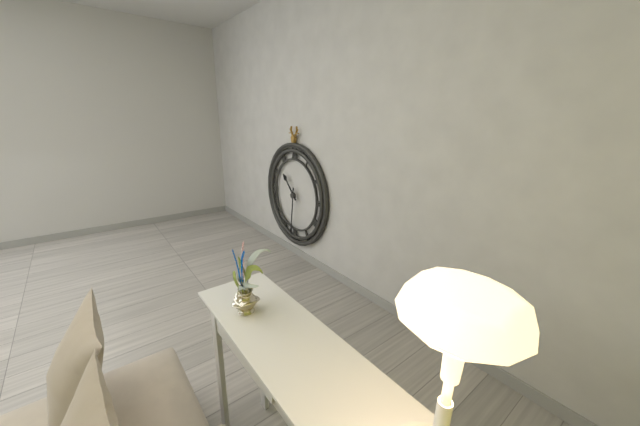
10:31
